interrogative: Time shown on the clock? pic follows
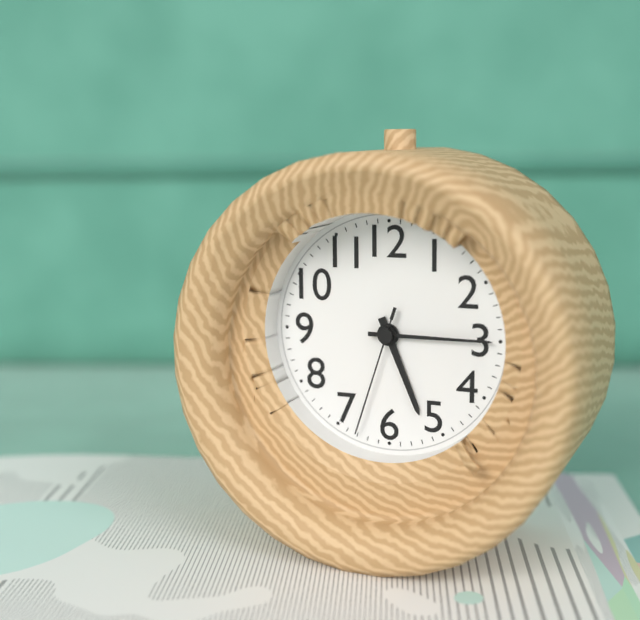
5:15:33
